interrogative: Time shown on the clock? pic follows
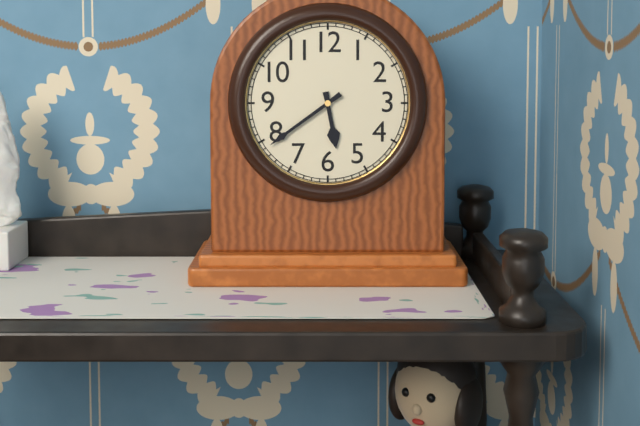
5:39
